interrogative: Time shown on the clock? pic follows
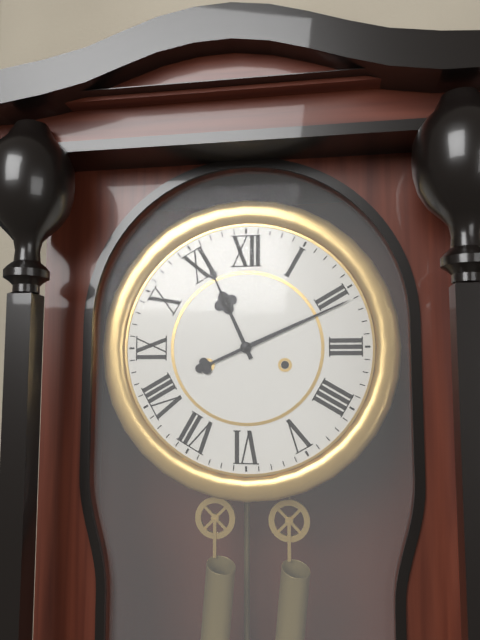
11:11
